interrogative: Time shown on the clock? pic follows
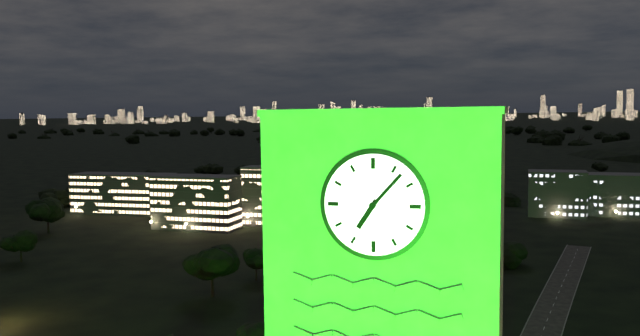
7:07
